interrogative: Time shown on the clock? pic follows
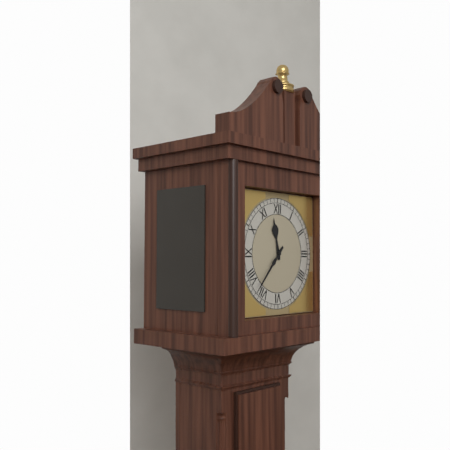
11:37
